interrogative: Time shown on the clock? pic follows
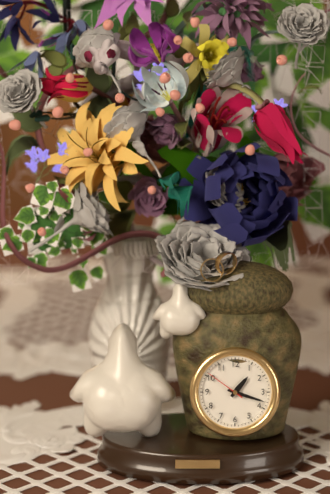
1:18
